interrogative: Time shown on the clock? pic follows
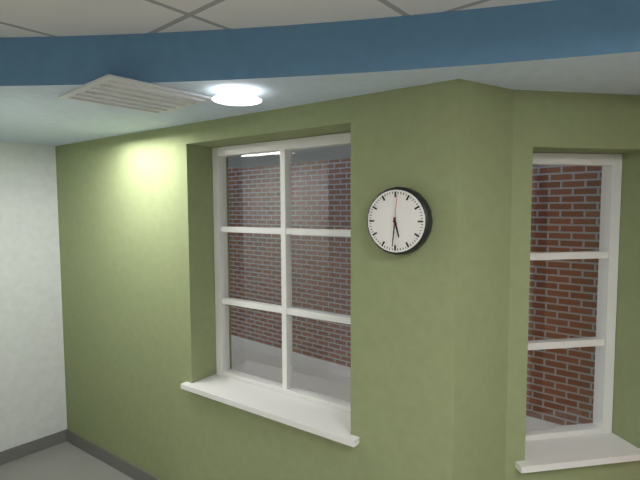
5:31
